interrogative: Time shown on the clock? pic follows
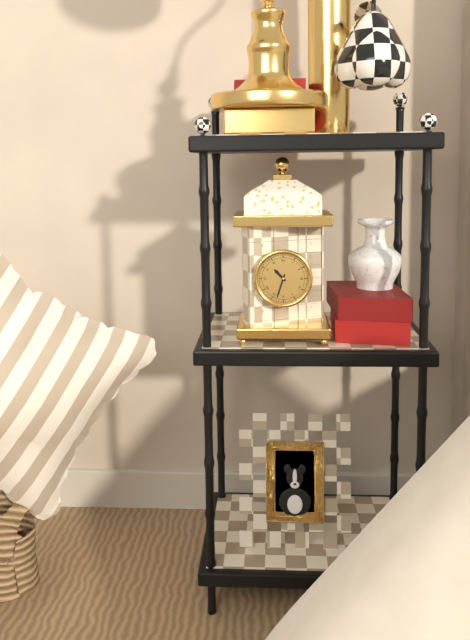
10:33
